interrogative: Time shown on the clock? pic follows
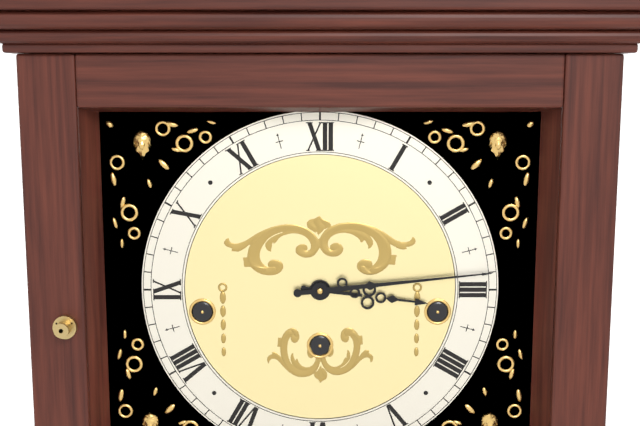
3:14
